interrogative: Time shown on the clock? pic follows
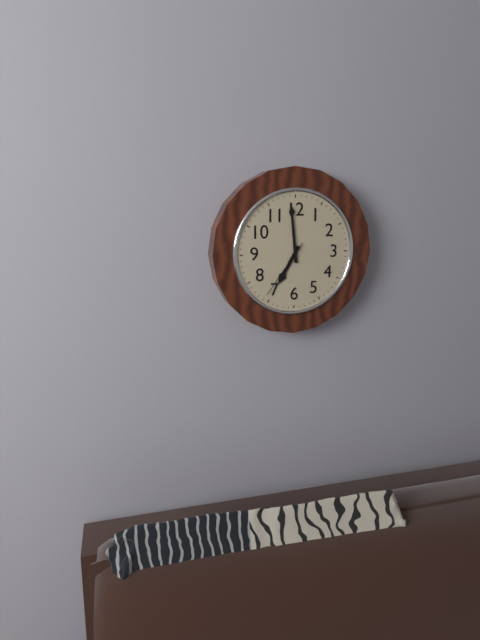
6:59:36
